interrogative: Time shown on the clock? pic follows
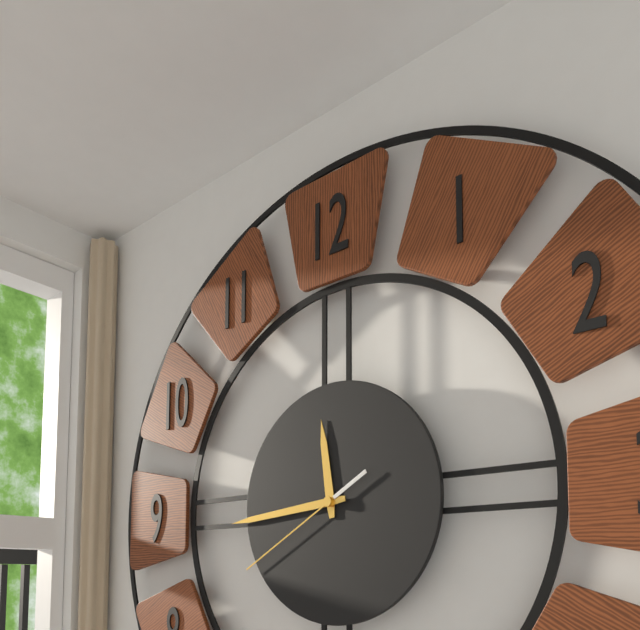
11:44:40
